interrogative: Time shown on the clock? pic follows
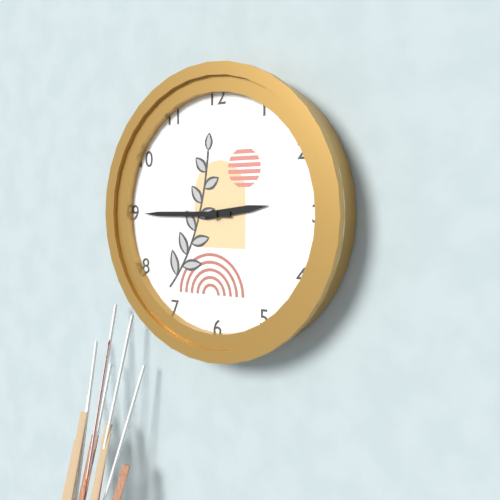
2:45
